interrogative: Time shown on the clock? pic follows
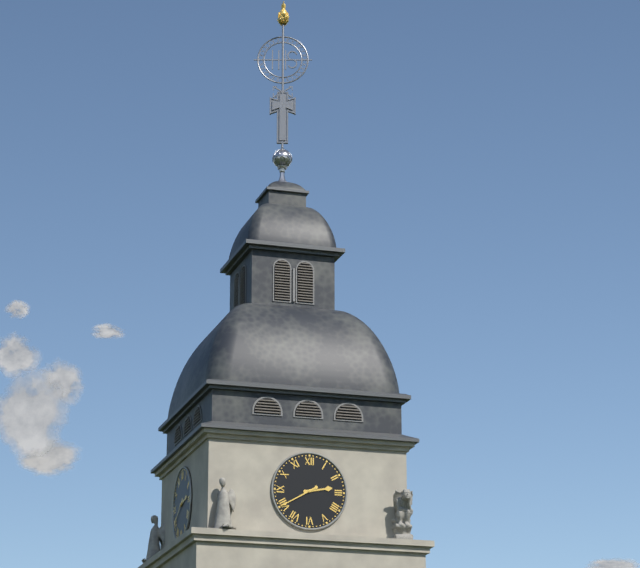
2:40
